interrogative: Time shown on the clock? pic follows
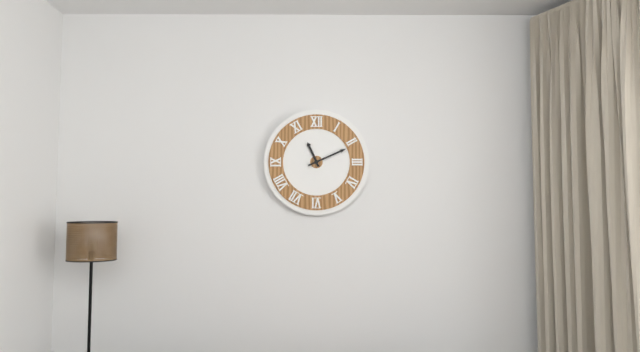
11:11
